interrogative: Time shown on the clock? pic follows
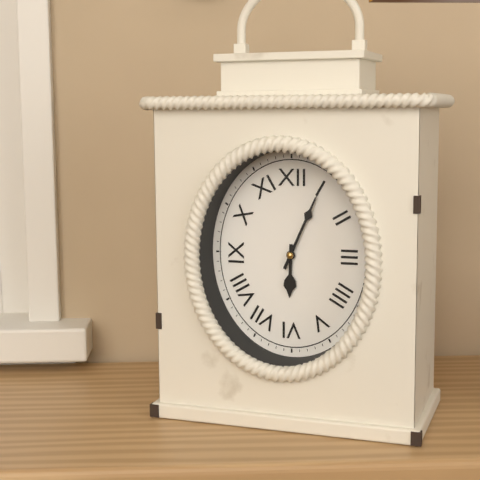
6:04
